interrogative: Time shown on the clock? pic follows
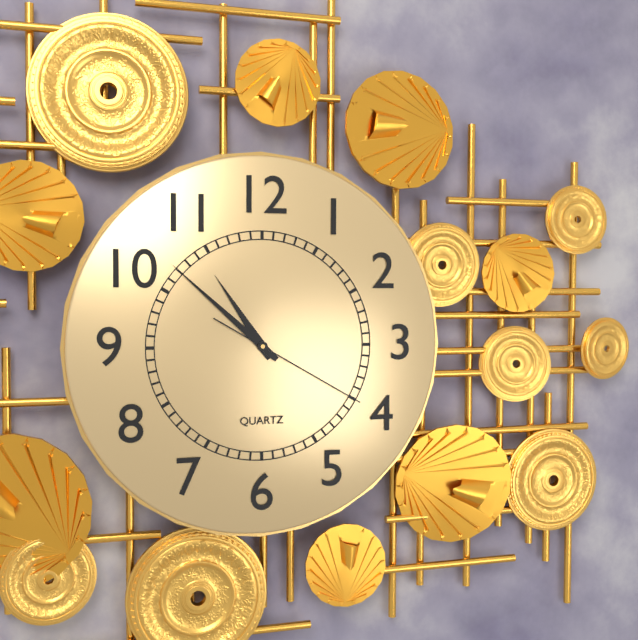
10:52:20
